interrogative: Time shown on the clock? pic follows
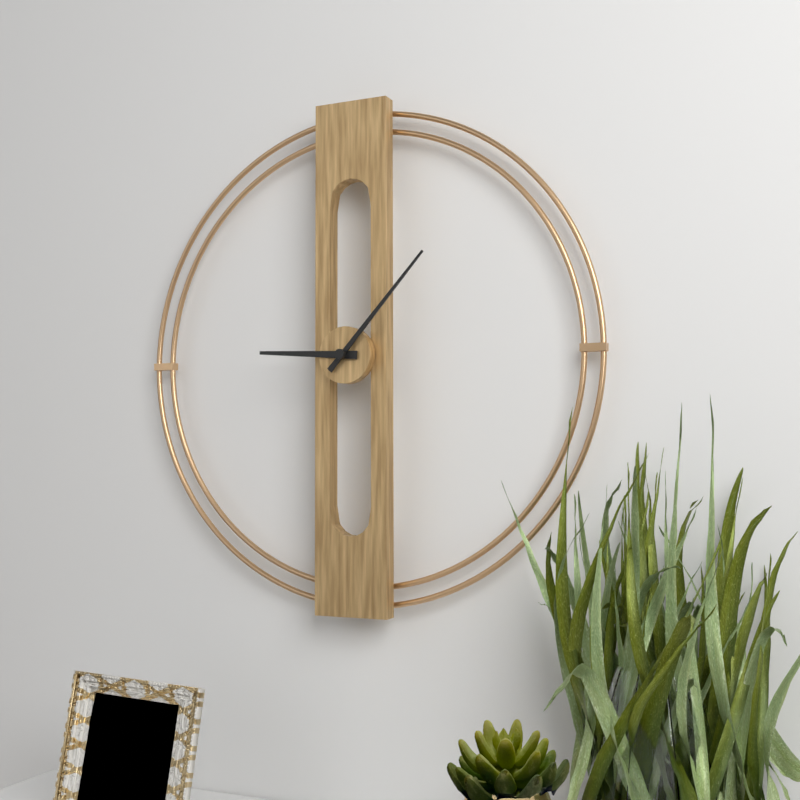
9:07
